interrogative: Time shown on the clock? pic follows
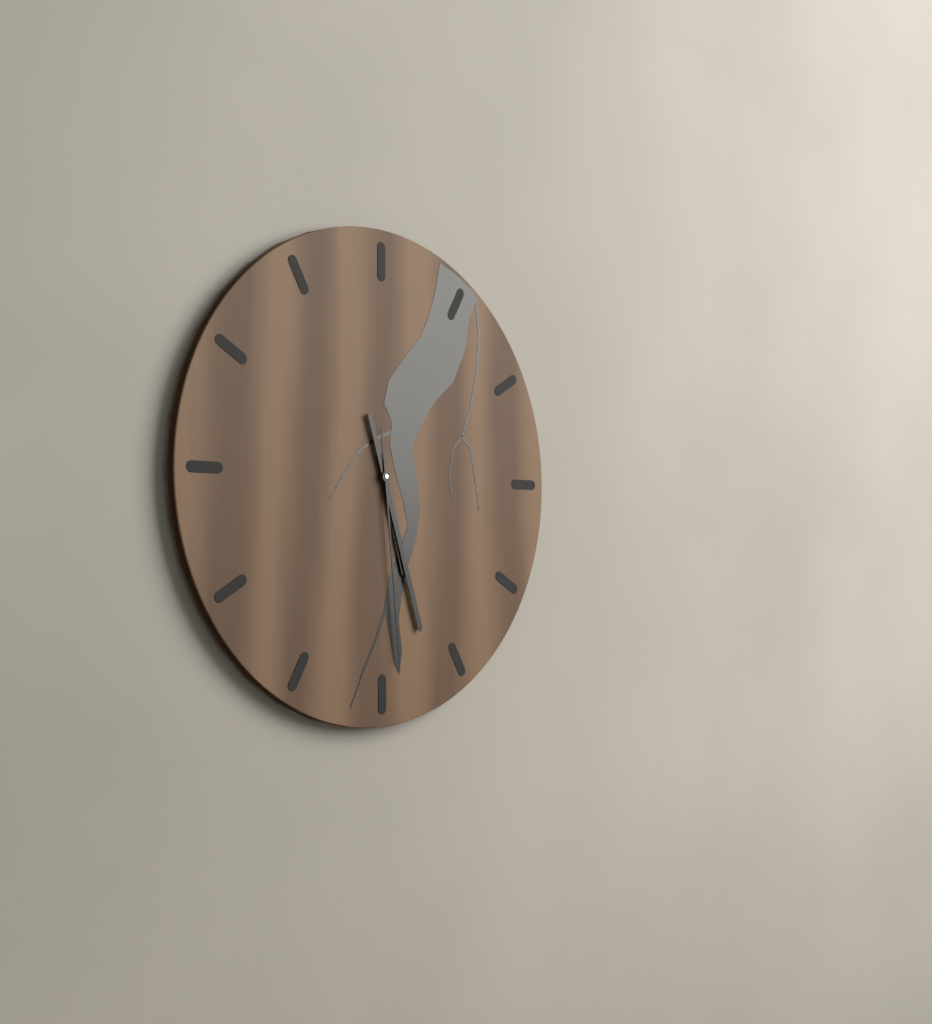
5:27:29
